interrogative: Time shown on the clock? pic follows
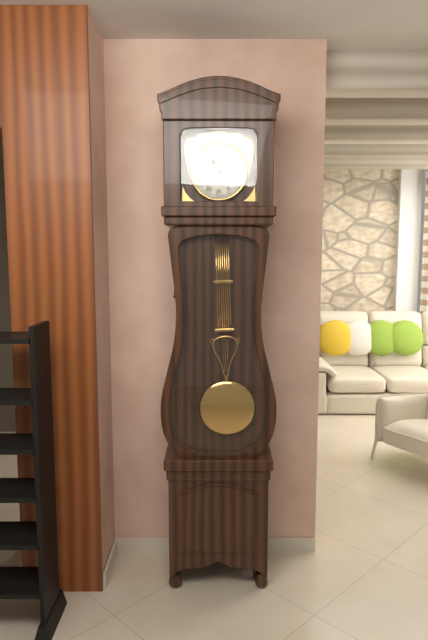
11:04
